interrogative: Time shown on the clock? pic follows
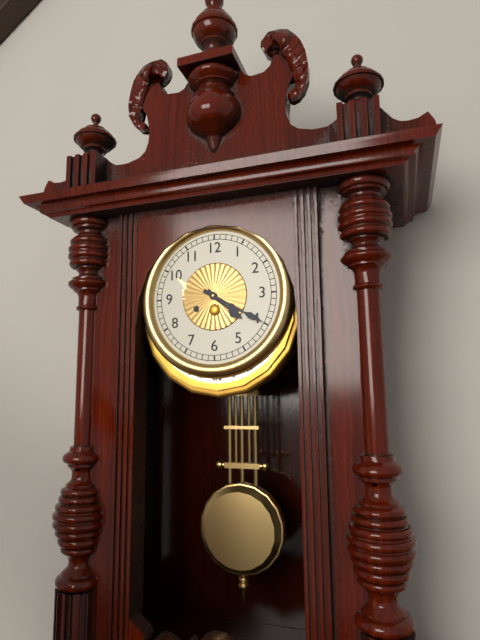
4:20
